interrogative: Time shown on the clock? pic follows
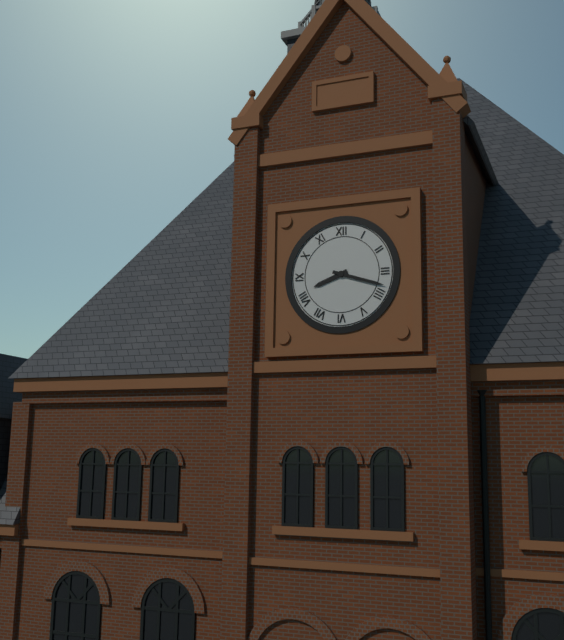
8:18
